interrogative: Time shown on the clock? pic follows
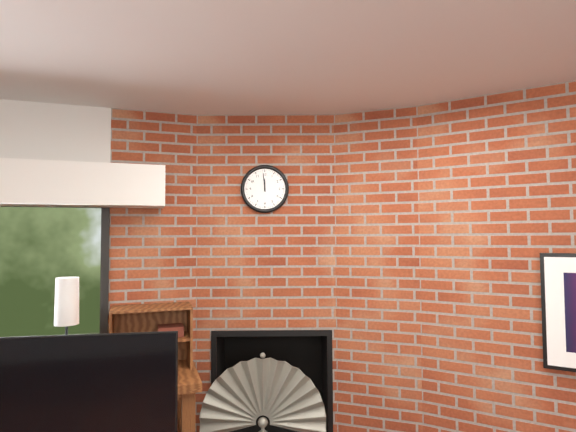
11:59
